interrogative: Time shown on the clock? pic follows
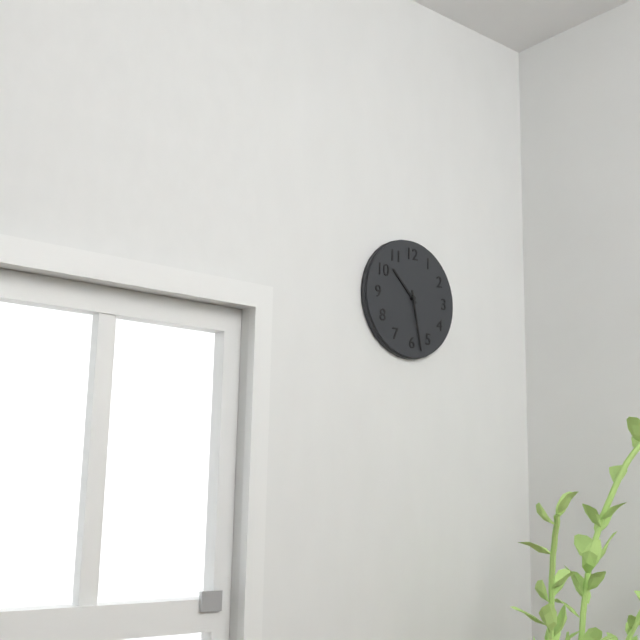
10:28
